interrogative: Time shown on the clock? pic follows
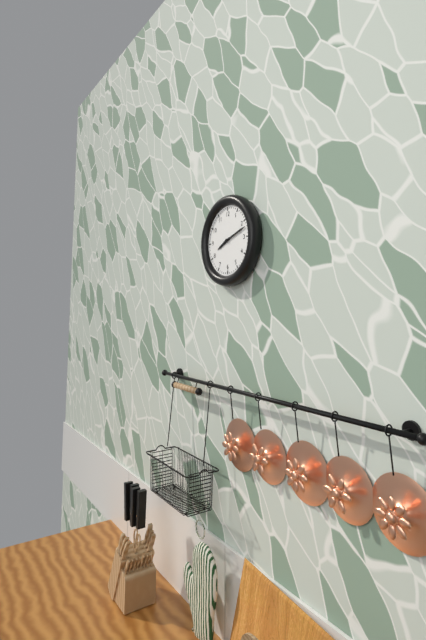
8:12
